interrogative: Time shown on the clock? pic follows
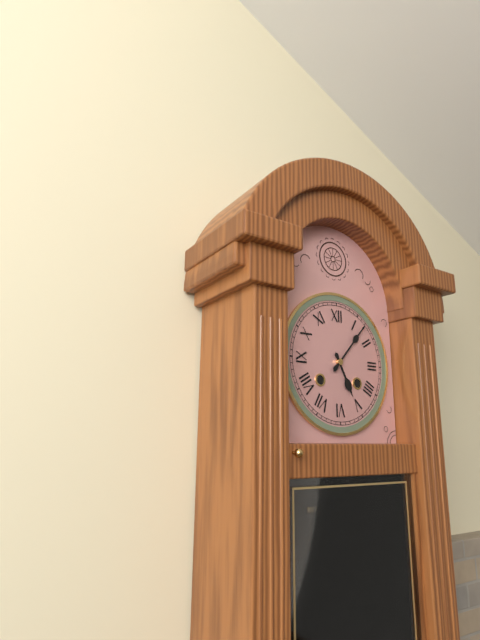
5:07
